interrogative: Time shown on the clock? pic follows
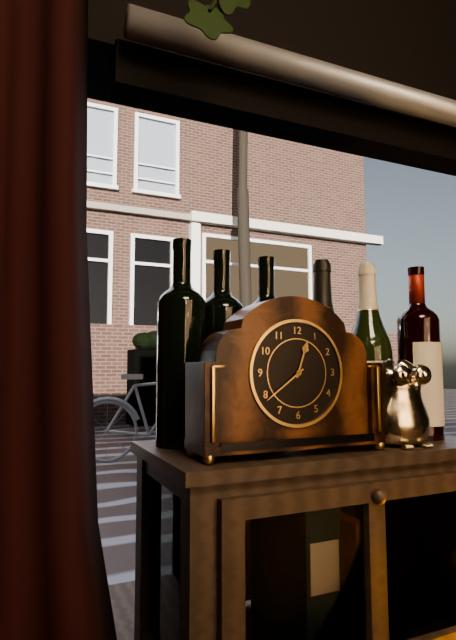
12:39
